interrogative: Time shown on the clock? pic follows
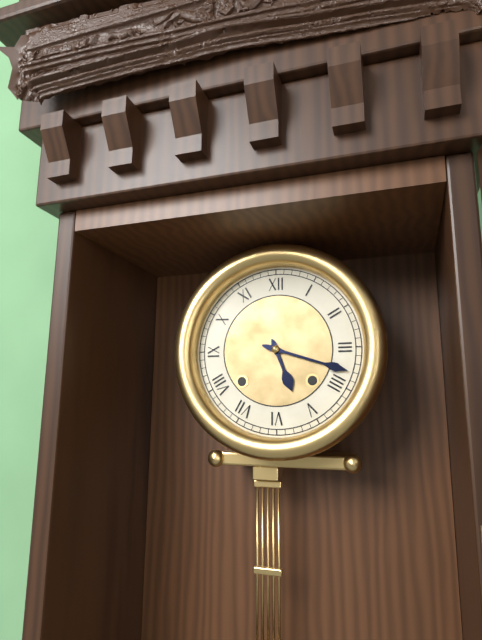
5:18
